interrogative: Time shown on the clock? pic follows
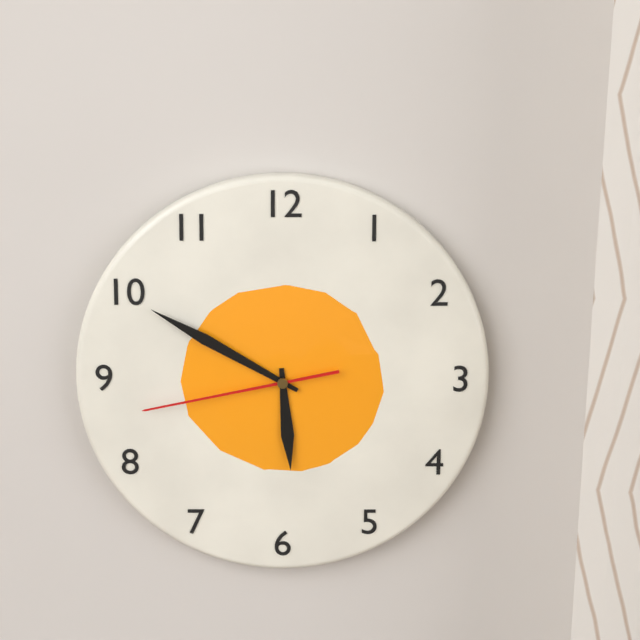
5:50:43
